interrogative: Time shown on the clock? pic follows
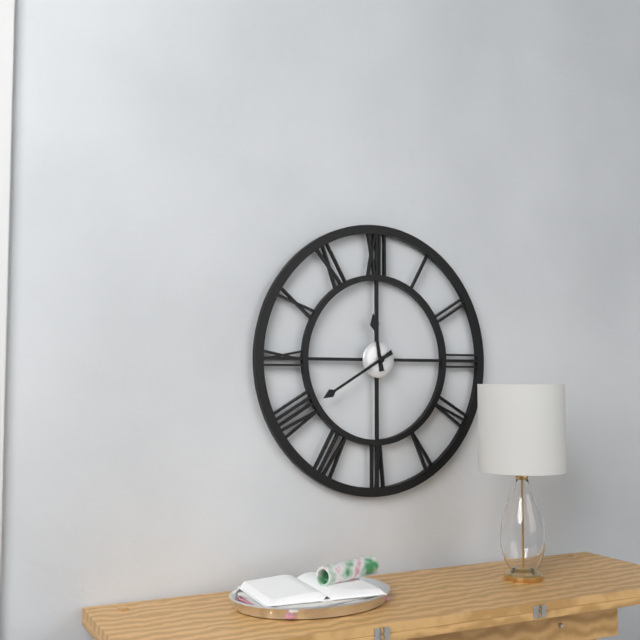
11:40
